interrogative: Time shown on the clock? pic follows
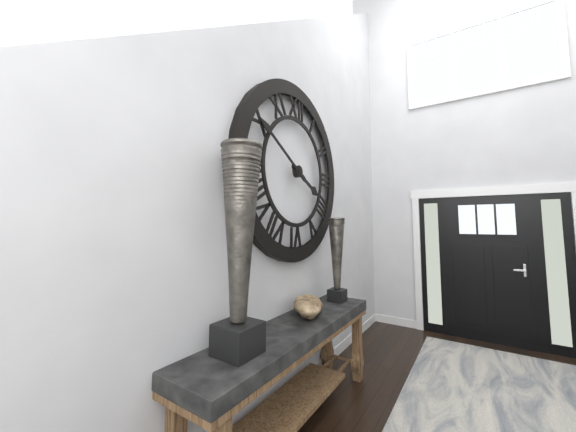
3:50
